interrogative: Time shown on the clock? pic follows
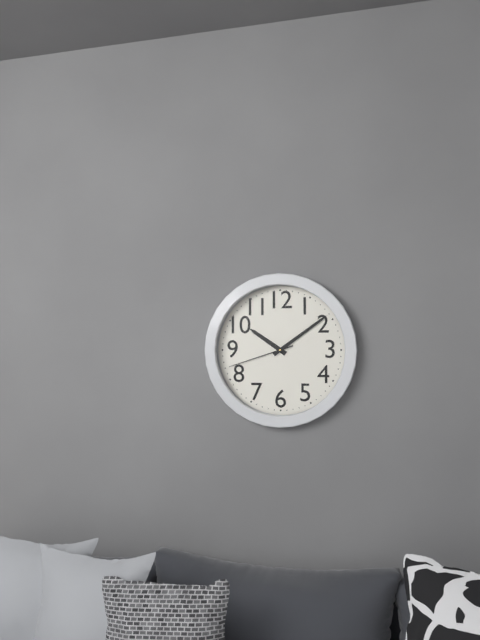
10:09:42
